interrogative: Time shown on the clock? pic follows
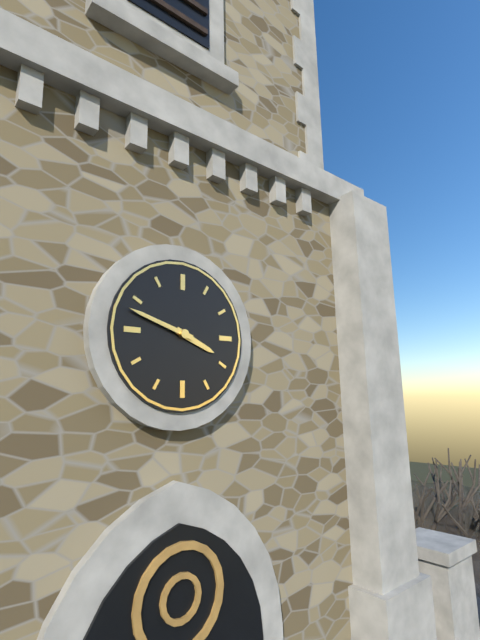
3:48
